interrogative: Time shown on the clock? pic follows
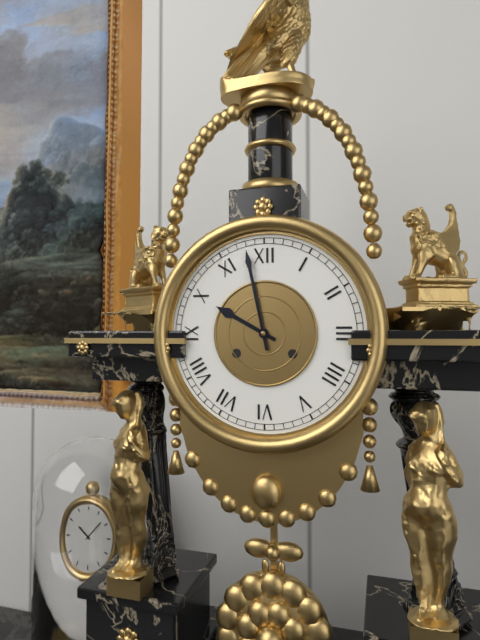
9:58
